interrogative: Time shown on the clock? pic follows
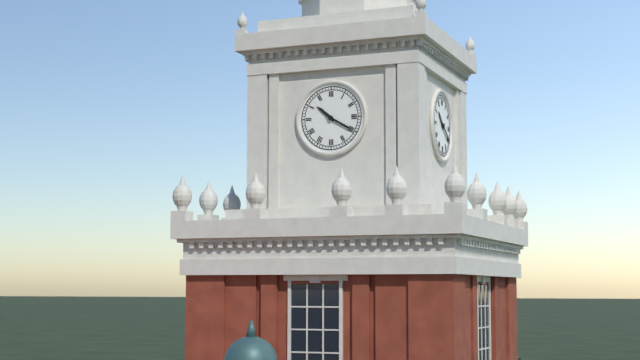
10:20
